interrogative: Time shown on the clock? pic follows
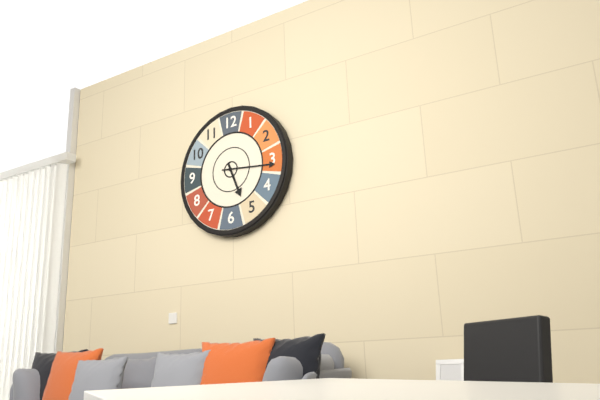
5:16
